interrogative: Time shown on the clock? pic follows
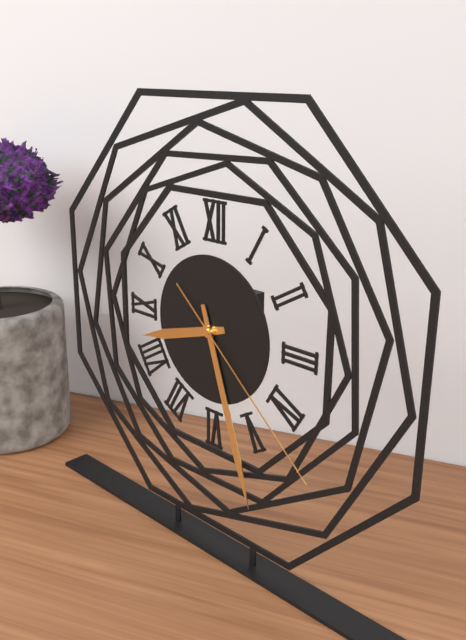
8:27:22
